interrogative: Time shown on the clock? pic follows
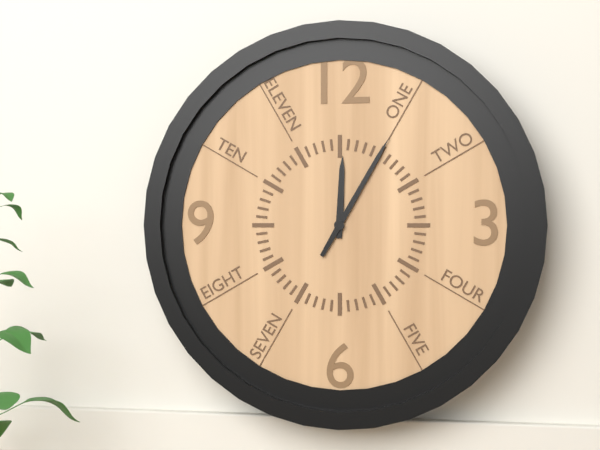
12:05
